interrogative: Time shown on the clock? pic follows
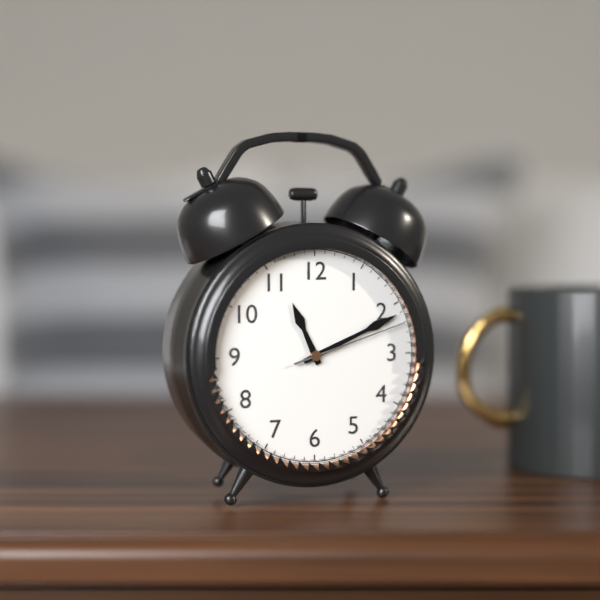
11:11:12
